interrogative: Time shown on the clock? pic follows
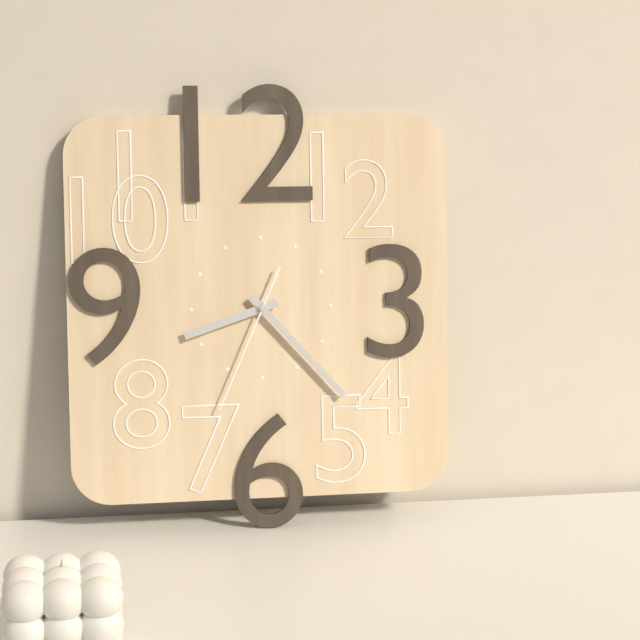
8:23:34
